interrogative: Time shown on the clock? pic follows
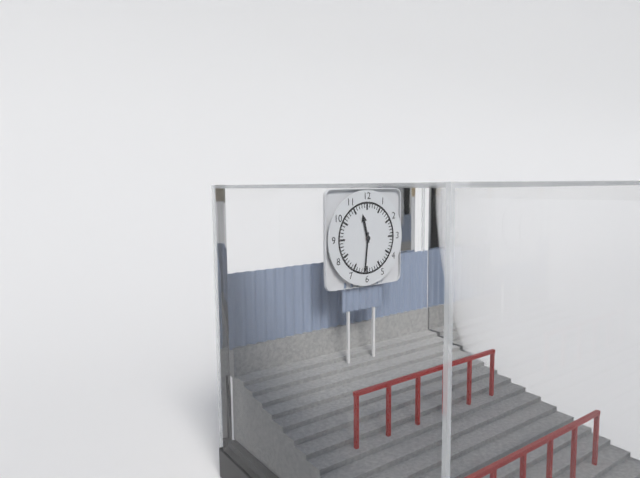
11:31
